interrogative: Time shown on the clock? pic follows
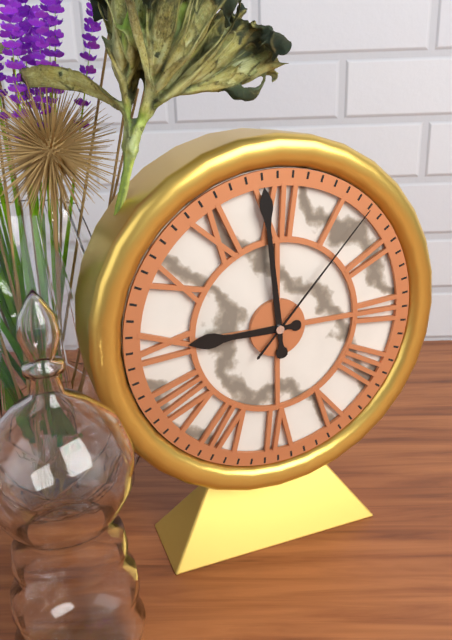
8:59:07
